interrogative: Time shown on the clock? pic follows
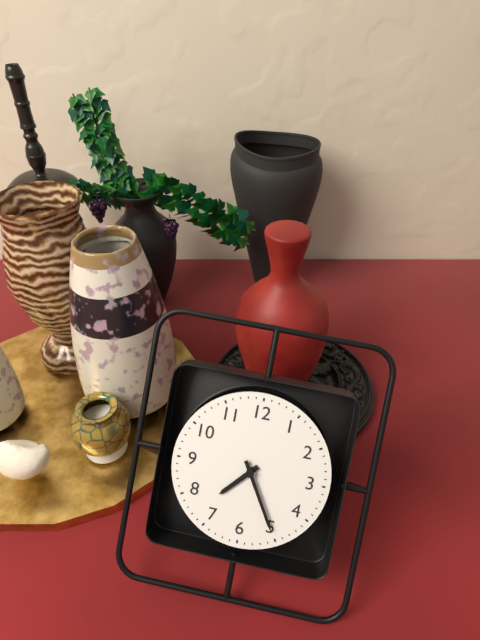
7:25
